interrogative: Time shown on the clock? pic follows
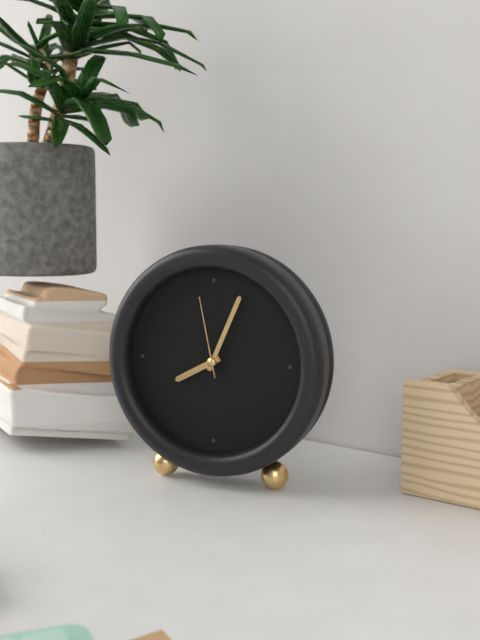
8:04:58
